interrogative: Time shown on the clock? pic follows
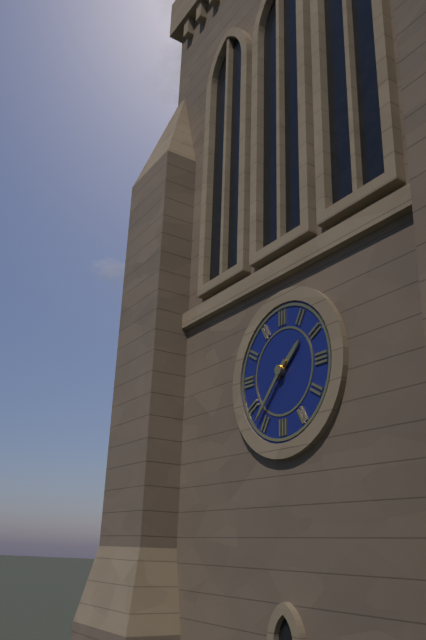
1:37
